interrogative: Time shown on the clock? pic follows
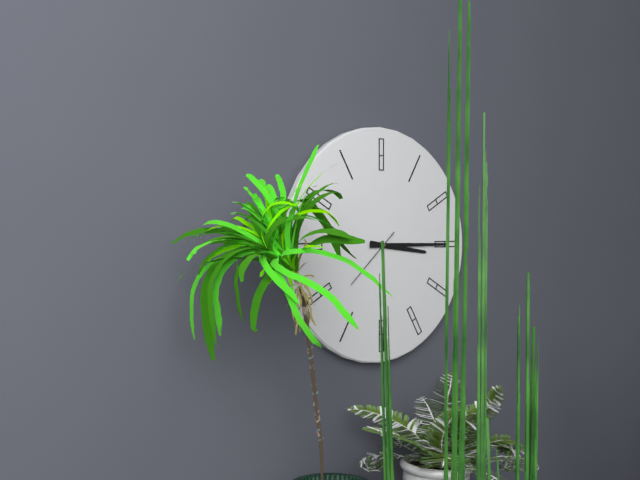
3:15:38
